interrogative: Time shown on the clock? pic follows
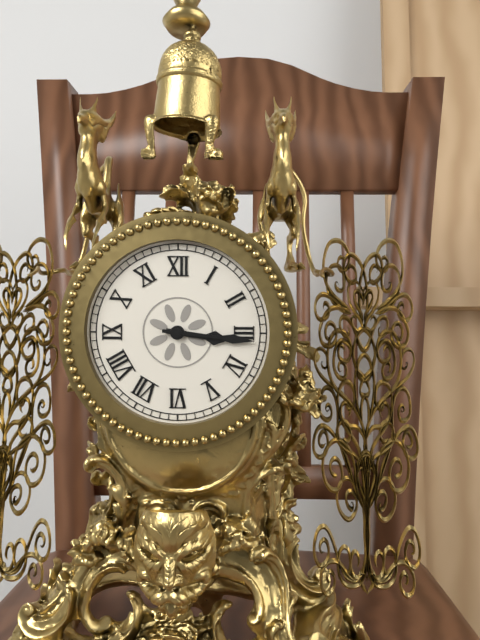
3:16
